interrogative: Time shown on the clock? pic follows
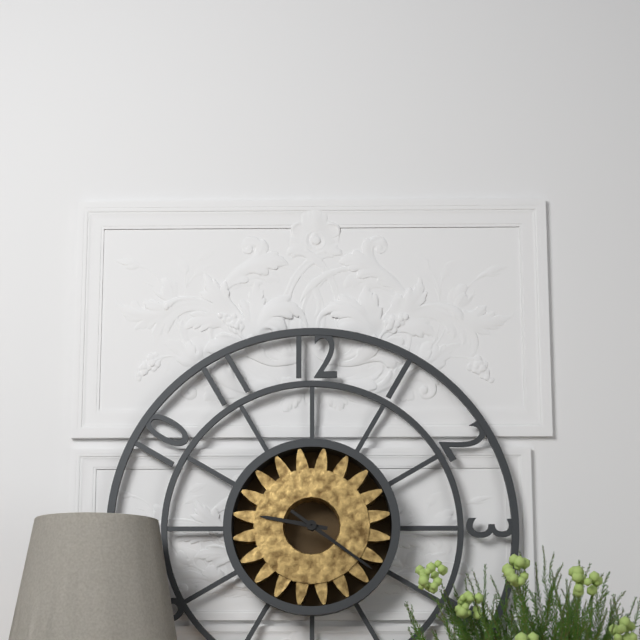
9:21
